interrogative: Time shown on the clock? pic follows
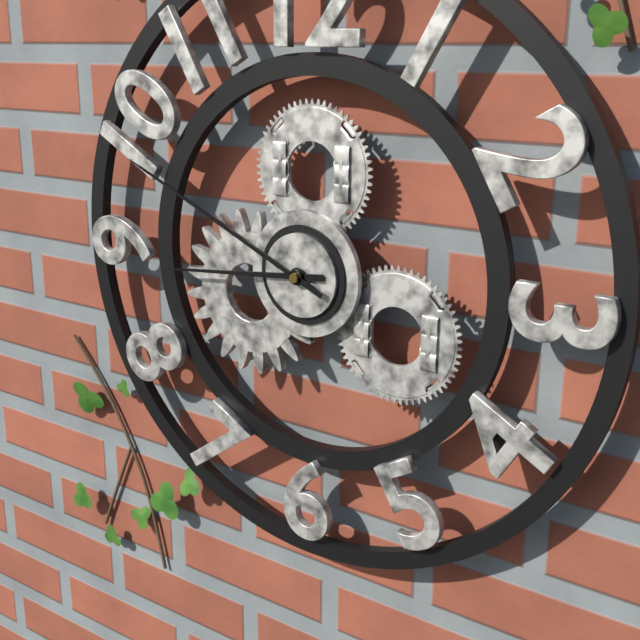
8:49
